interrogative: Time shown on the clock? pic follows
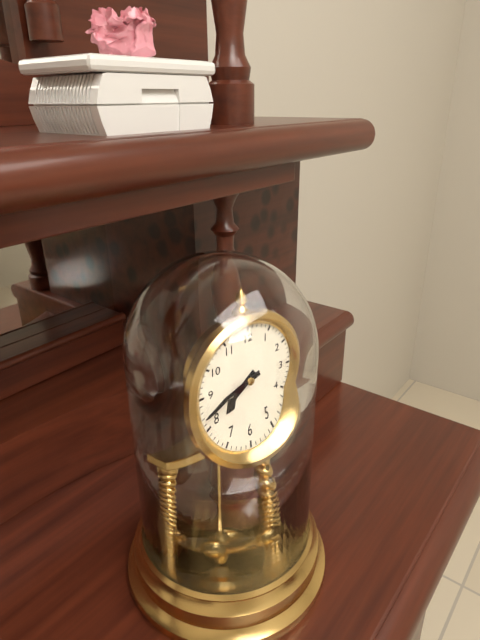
7:42
